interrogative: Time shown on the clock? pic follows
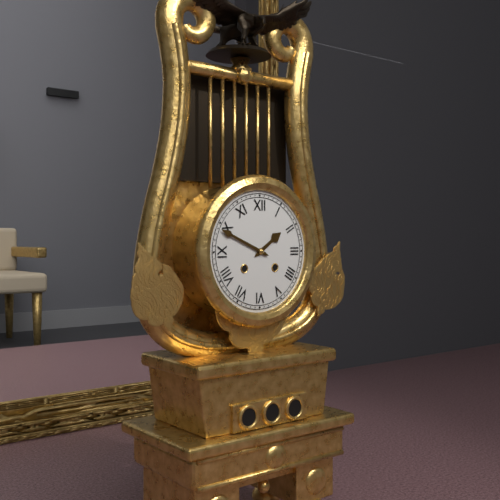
1:49
